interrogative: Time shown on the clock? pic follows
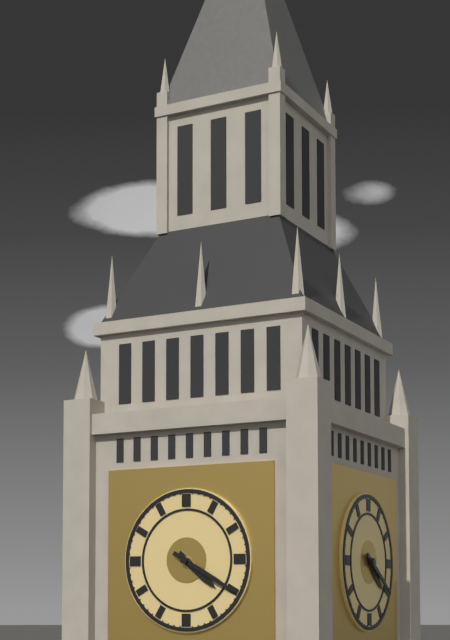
4:20
